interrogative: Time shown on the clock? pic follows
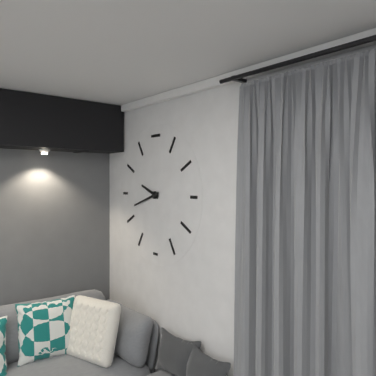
9:42
